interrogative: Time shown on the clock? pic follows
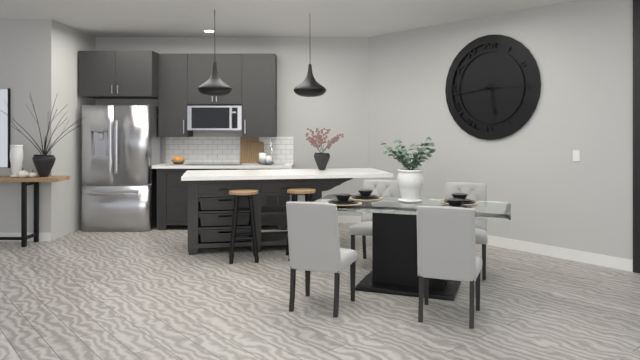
5:44:15
